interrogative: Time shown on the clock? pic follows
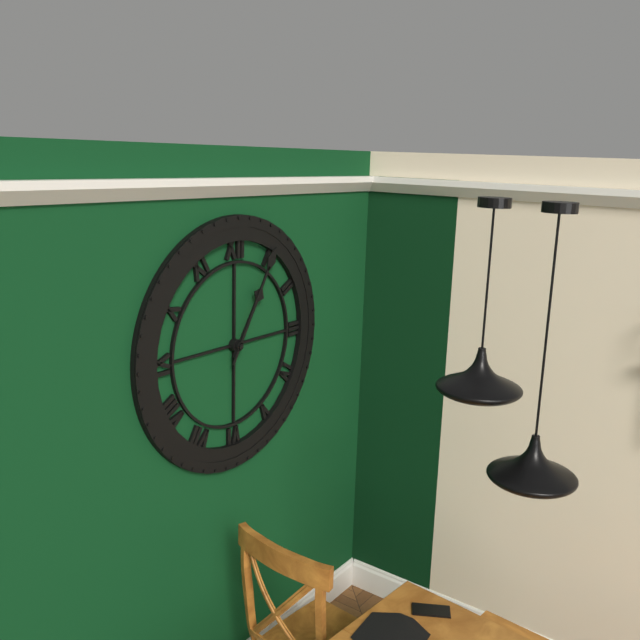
1:05
